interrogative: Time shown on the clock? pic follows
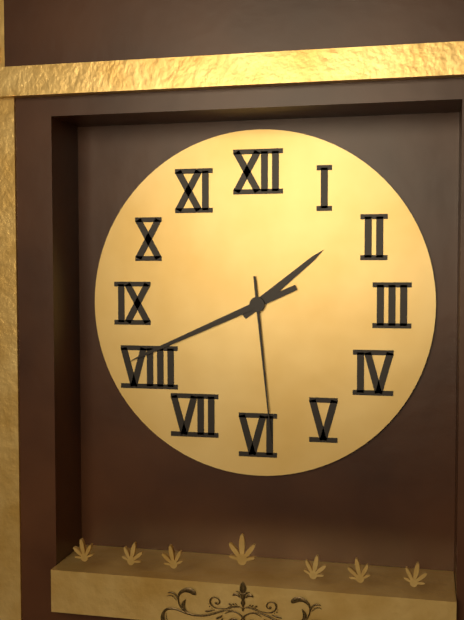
1:41:29
